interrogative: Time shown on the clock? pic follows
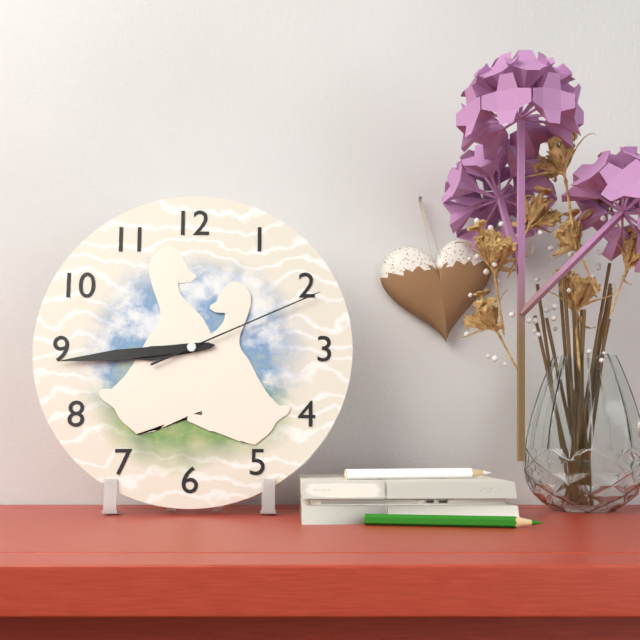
8:44:11
